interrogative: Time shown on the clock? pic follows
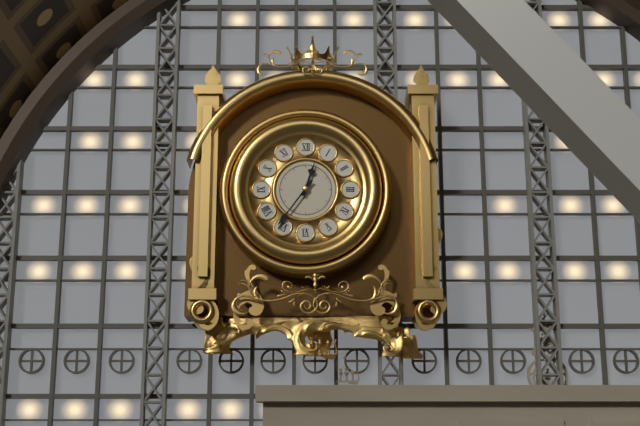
12:36
